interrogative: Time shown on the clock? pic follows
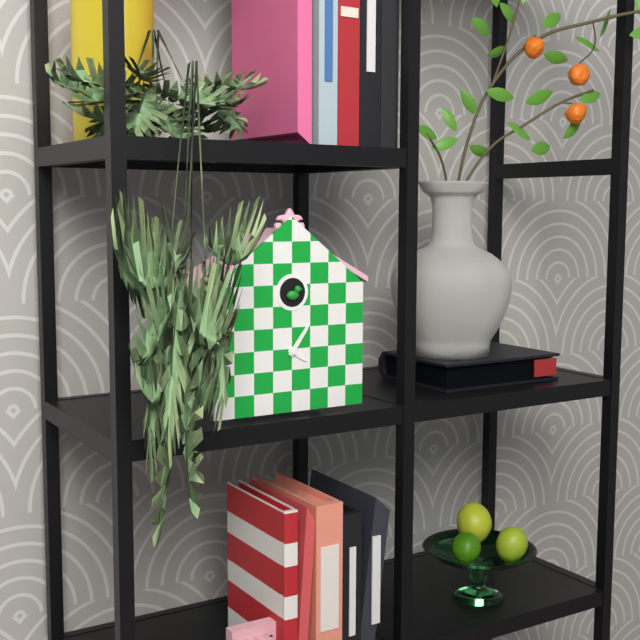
4:06
